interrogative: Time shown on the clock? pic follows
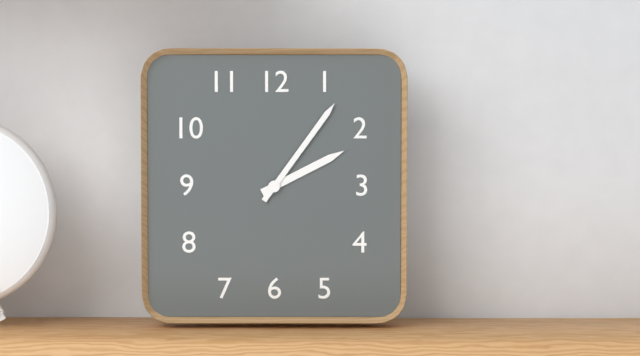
2:06
